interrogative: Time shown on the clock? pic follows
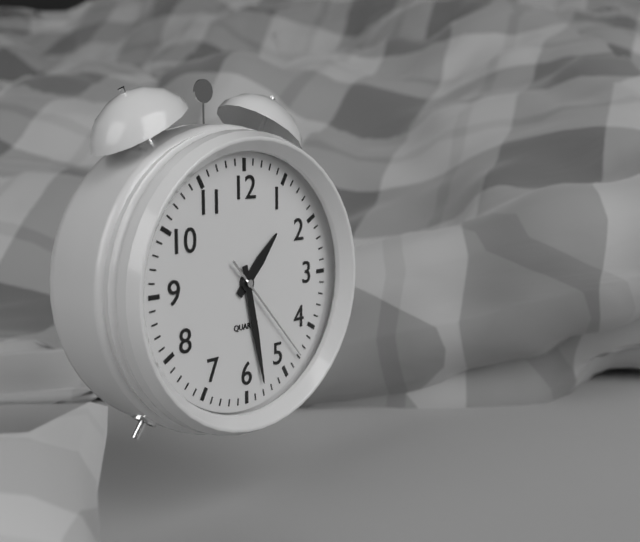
1:28:23
